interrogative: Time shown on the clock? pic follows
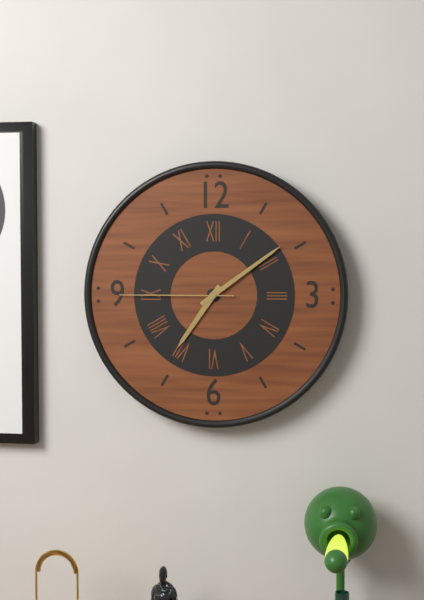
7:09:45
